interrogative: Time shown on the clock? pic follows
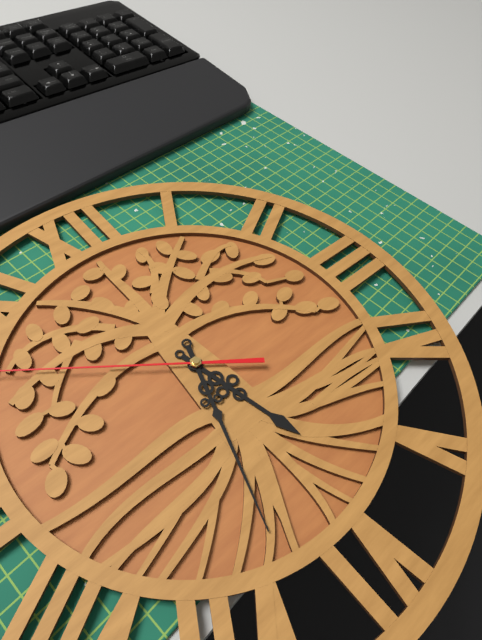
5:33
